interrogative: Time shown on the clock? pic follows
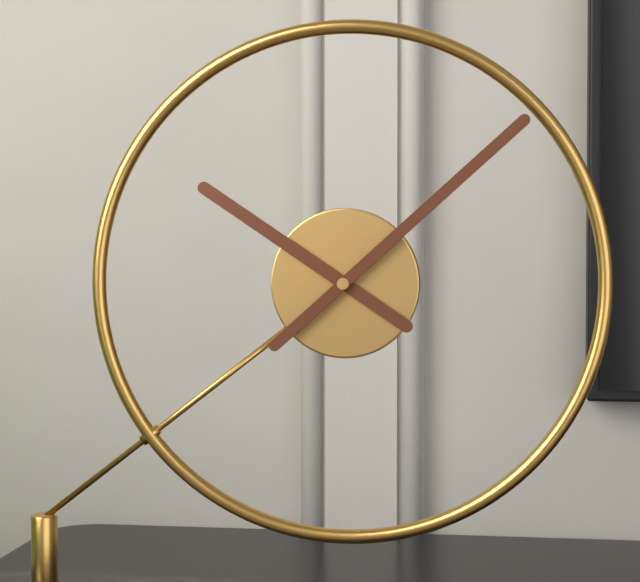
10:08
